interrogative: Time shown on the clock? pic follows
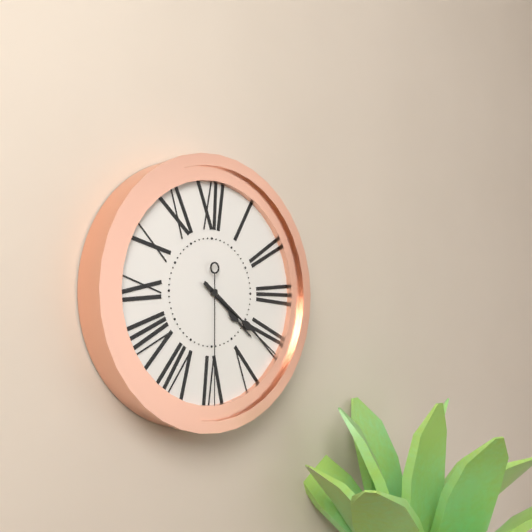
4:21:30
